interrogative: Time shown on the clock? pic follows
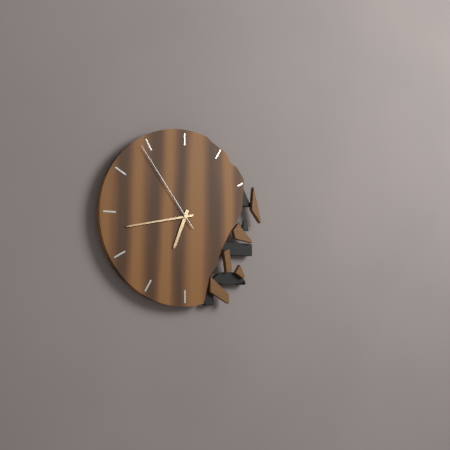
6:43:54
